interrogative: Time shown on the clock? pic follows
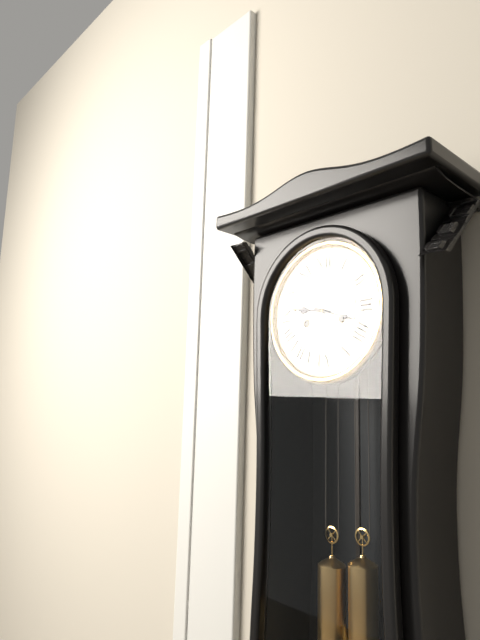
9:18
